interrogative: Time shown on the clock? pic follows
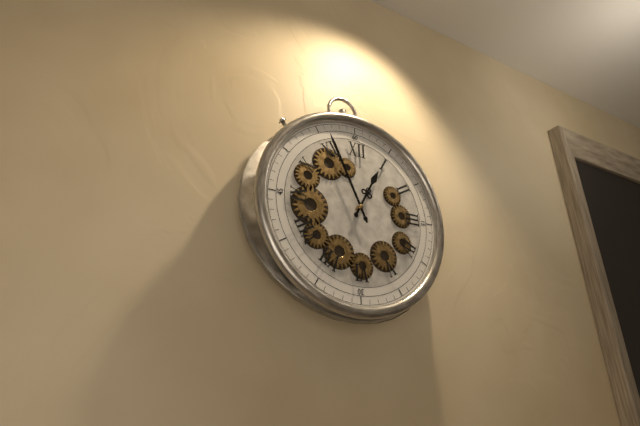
12:56
